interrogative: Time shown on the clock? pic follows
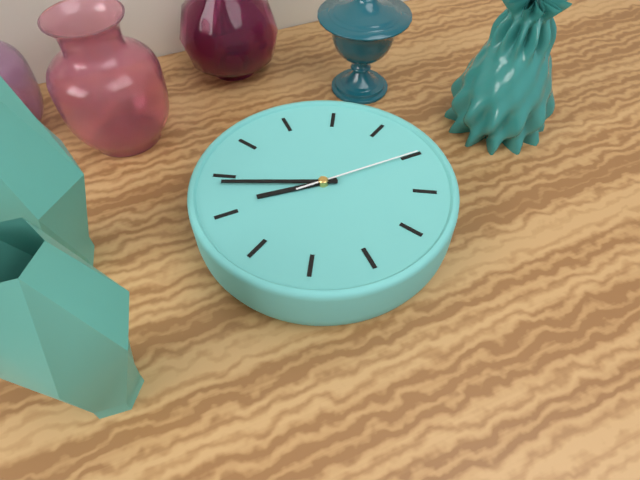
2:14:40
